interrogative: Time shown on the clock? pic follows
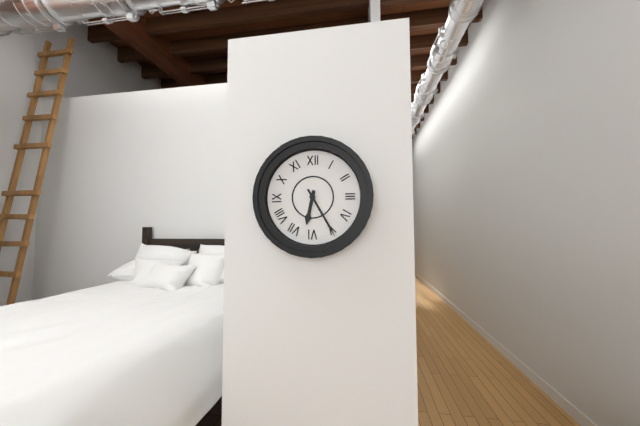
6:25
